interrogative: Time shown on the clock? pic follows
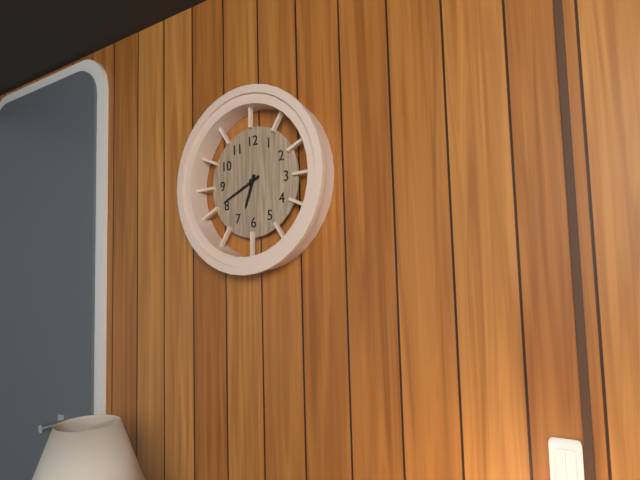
6:41
